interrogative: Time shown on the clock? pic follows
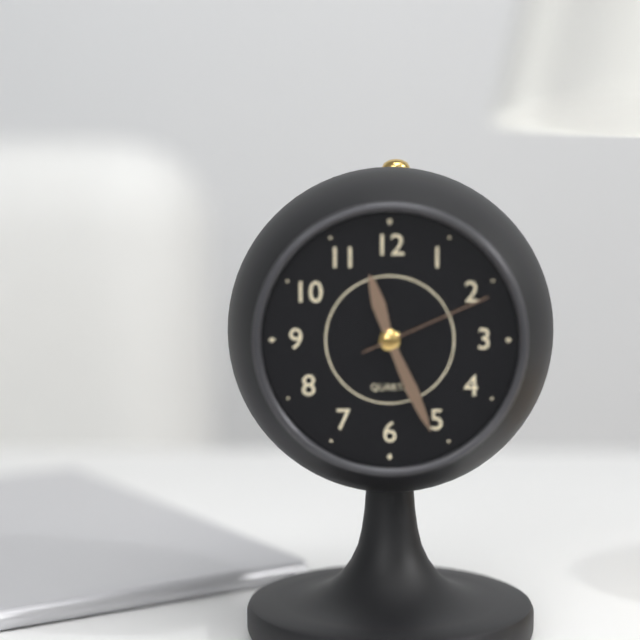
11:26:11
